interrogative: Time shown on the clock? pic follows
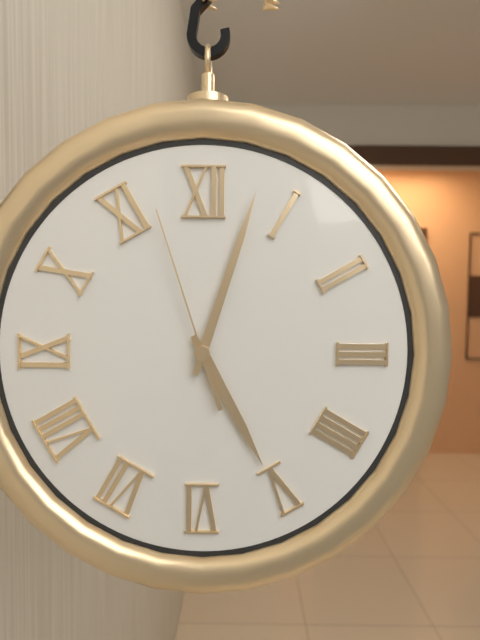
5:03:57
